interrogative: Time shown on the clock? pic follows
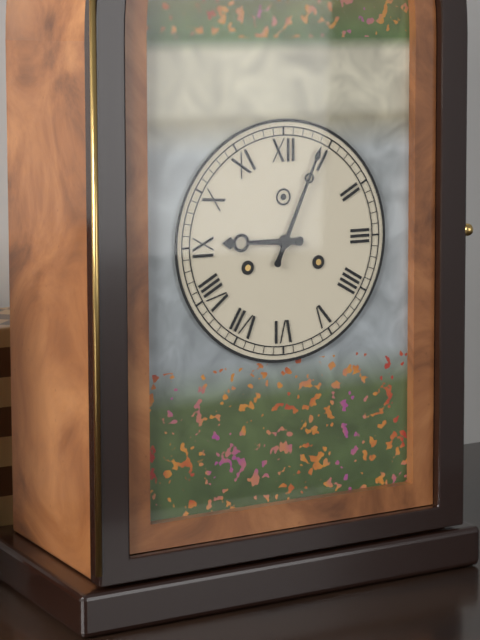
9:04
